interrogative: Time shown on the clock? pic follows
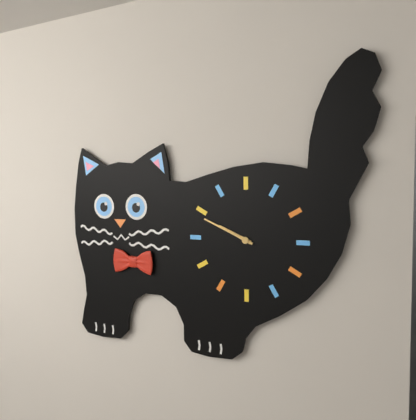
9:49
